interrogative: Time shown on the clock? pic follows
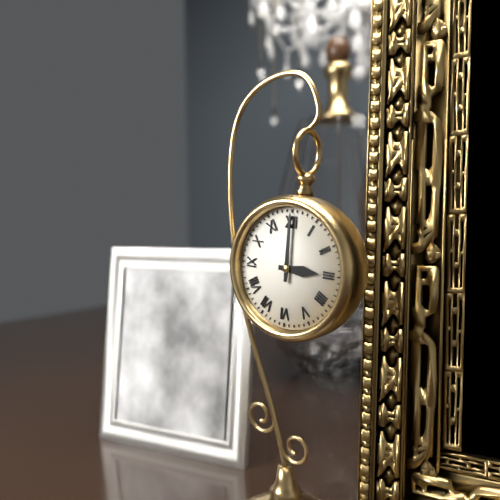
3:00
